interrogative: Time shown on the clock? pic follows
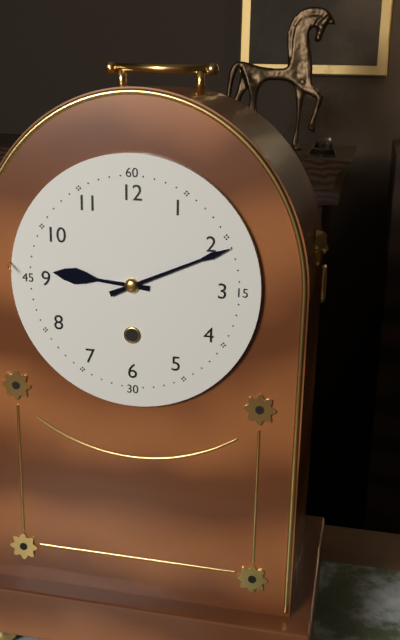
9:11
